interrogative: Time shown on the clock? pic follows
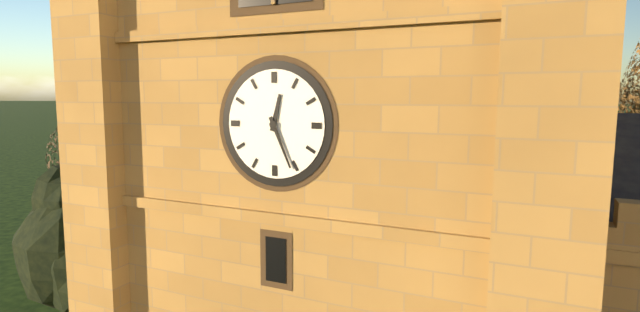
12:26
